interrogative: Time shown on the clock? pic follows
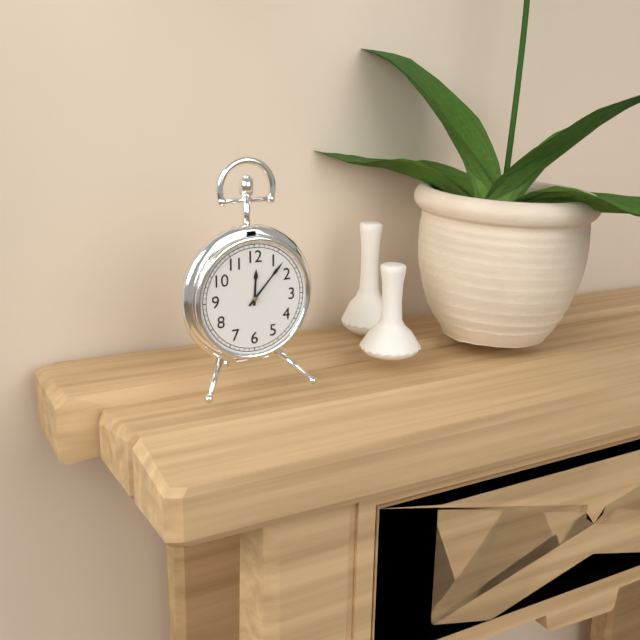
12:07
